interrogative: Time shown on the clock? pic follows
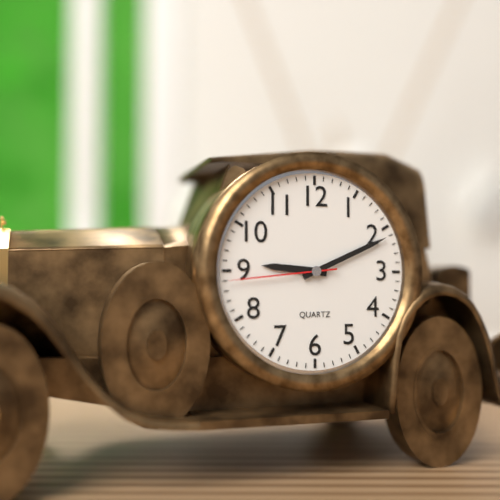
9:11:44
